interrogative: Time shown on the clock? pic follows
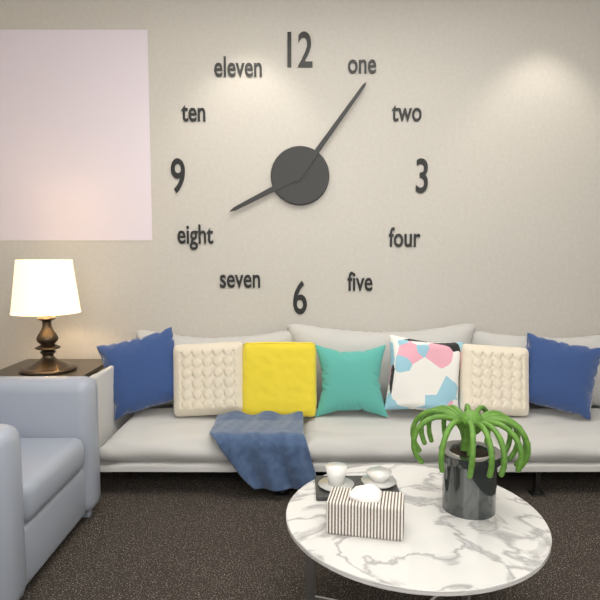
8:06
